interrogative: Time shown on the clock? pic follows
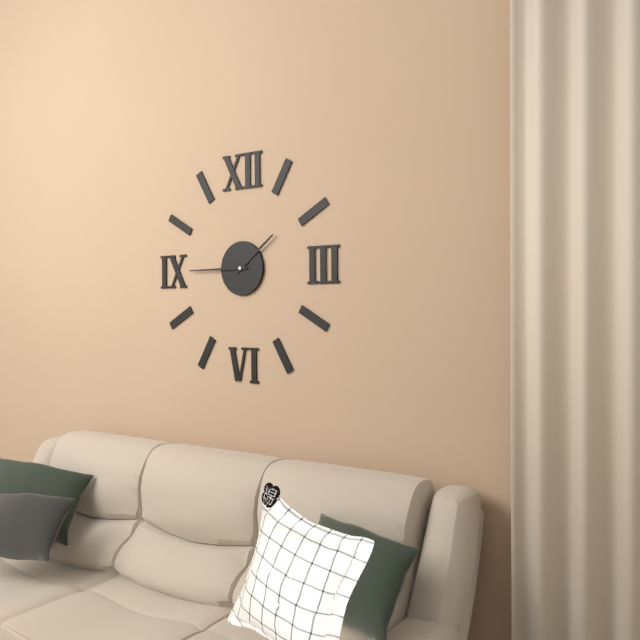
1:45
